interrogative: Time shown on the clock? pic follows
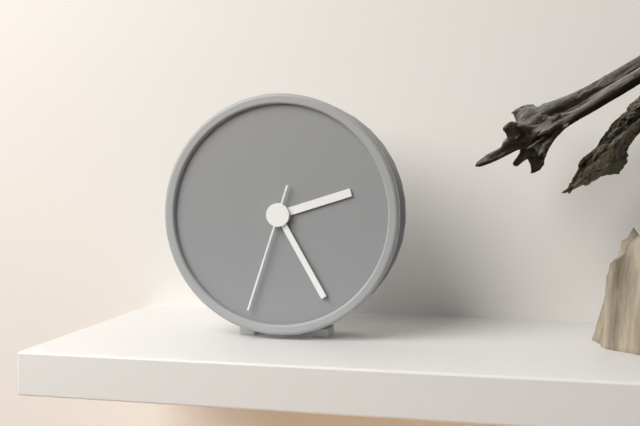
2:25:33
